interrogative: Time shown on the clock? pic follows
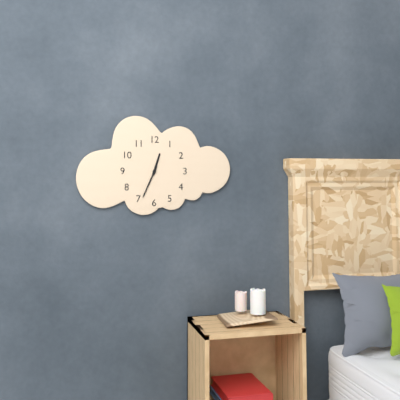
12:34
